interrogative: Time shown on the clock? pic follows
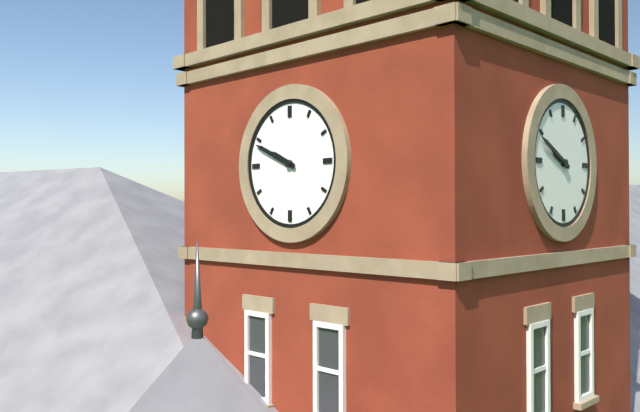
9:49
